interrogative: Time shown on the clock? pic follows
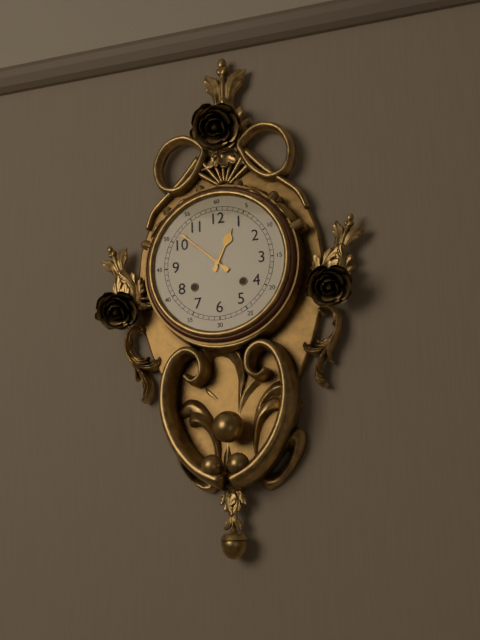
12:52
